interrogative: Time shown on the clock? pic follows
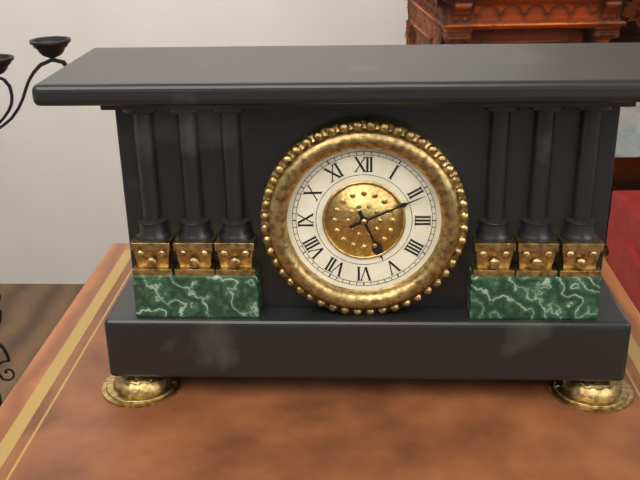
5:11
